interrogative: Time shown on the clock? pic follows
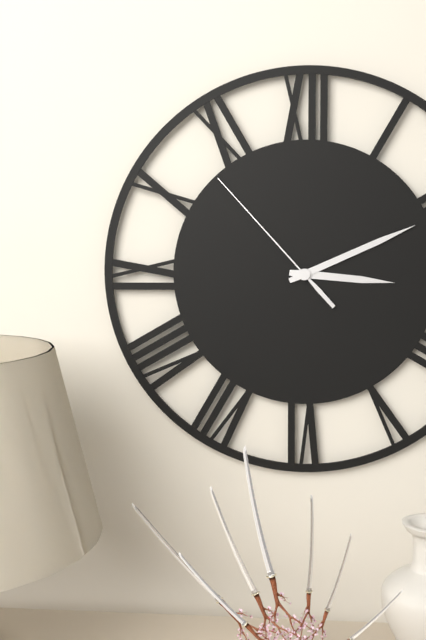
3:11:53
